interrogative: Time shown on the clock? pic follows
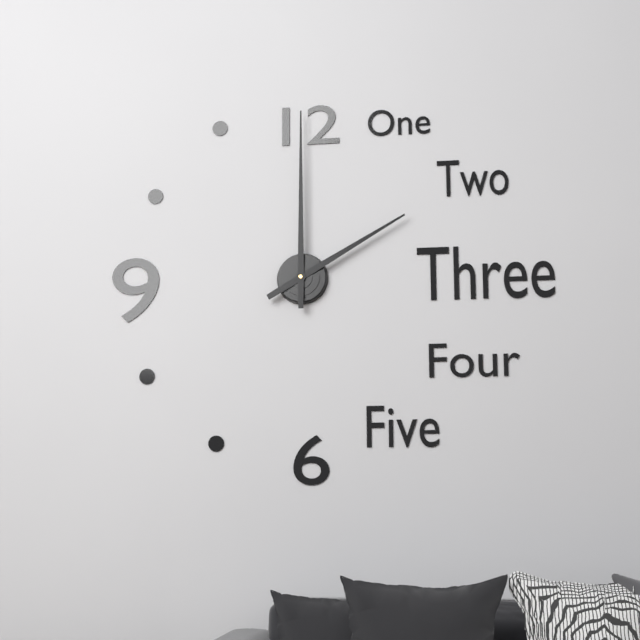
2:00
